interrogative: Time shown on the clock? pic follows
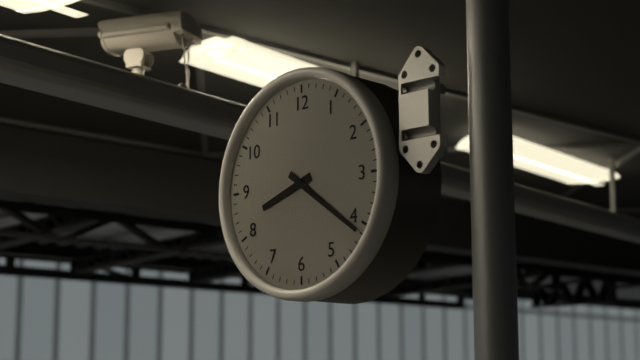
8:21
